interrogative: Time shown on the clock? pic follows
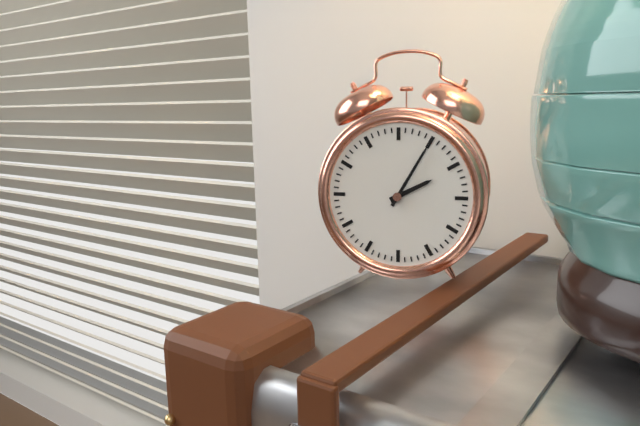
2:05
